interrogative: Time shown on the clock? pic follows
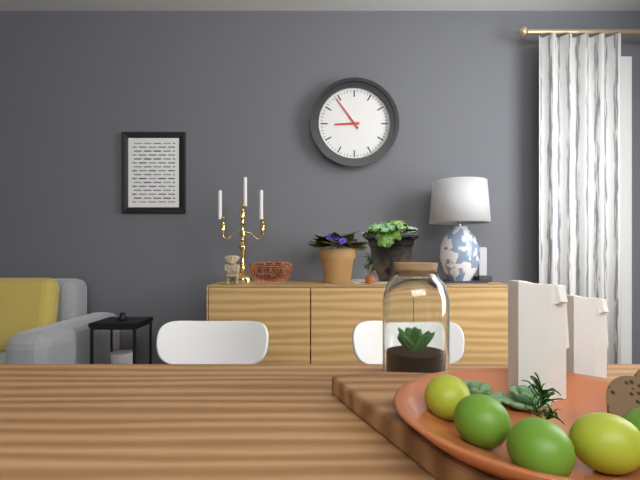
8:54
